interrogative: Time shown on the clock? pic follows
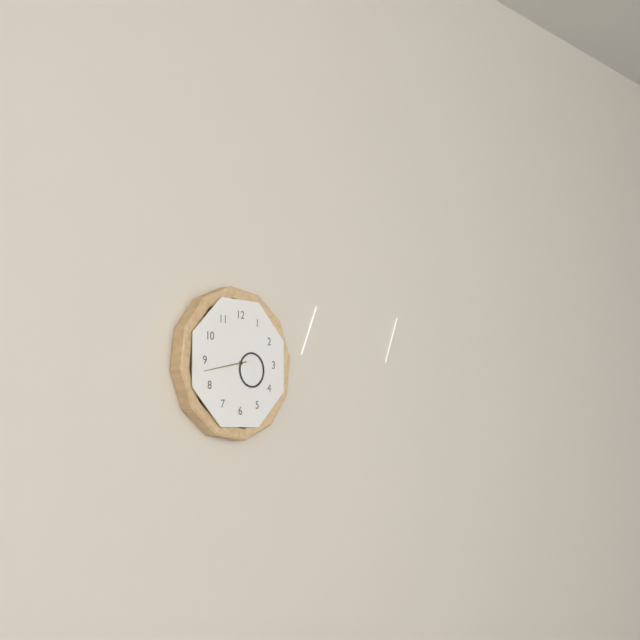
3:43
